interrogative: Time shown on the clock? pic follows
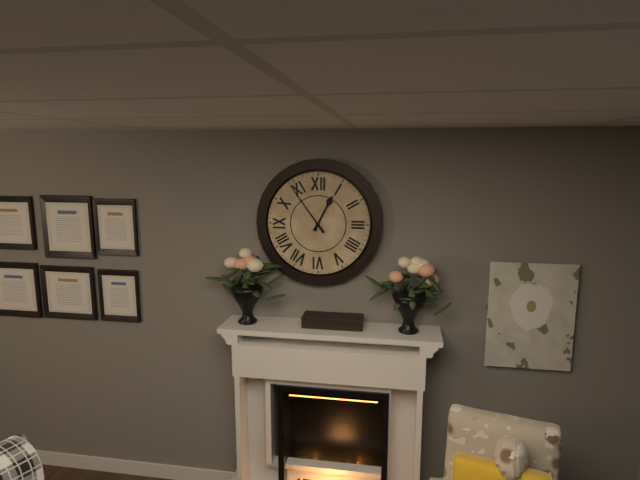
12:54
